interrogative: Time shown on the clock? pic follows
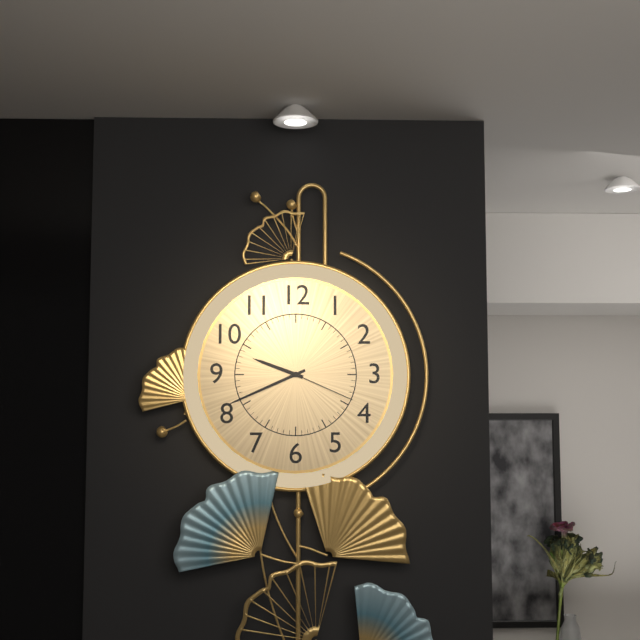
9:41:19
